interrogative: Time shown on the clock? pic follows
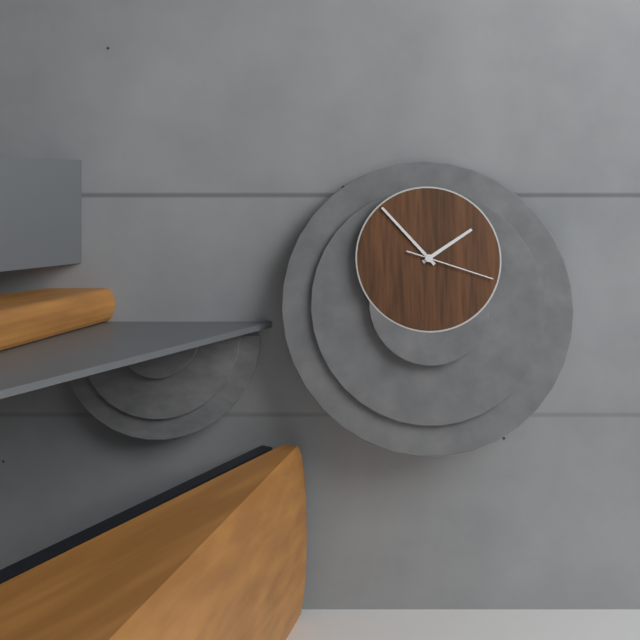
1:53:18
